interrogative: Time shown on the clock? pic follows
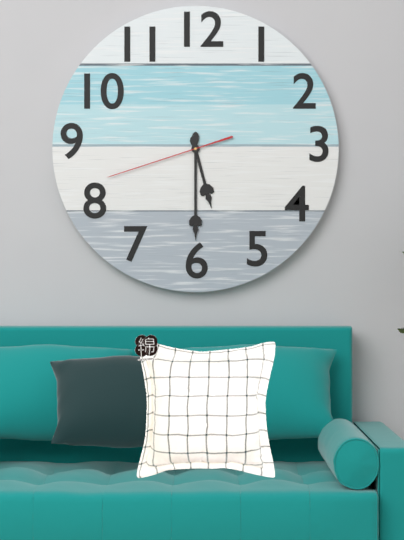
5:30:42
